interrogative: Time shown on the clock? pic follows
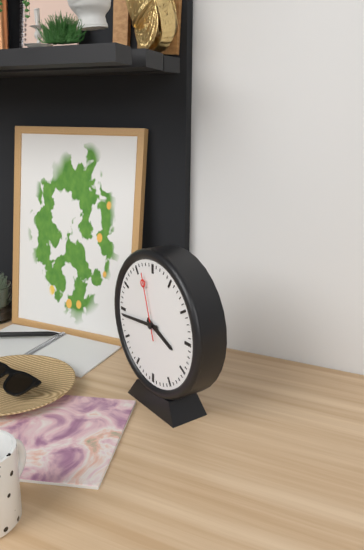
3:44:57
